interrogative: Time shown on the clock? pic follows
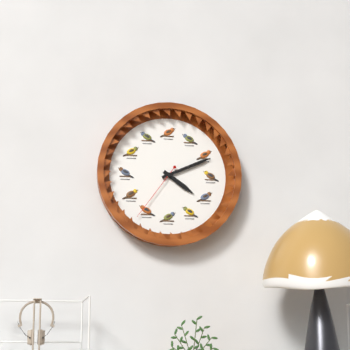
4:11:36
